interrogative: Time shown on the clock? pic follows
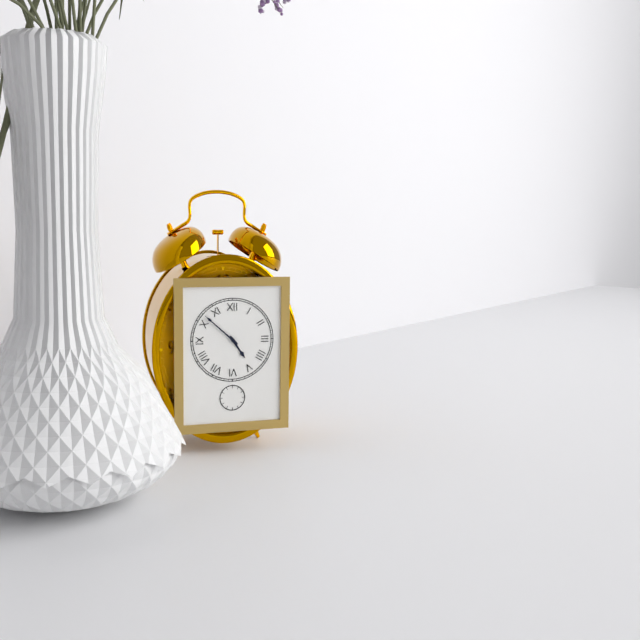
4:52
